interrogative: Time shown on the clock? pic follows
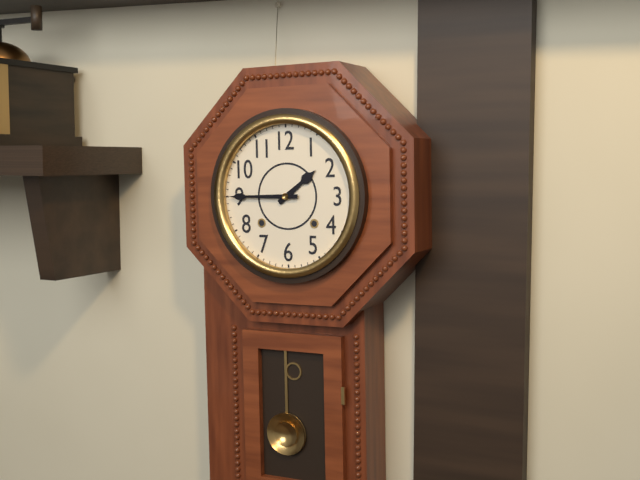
1:45
